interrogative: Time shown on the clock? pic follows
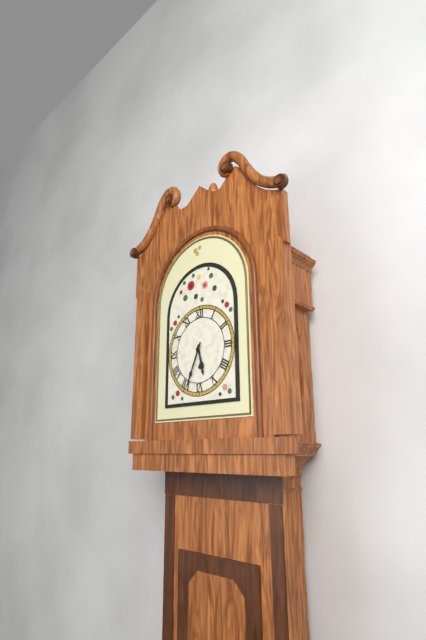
5:34
